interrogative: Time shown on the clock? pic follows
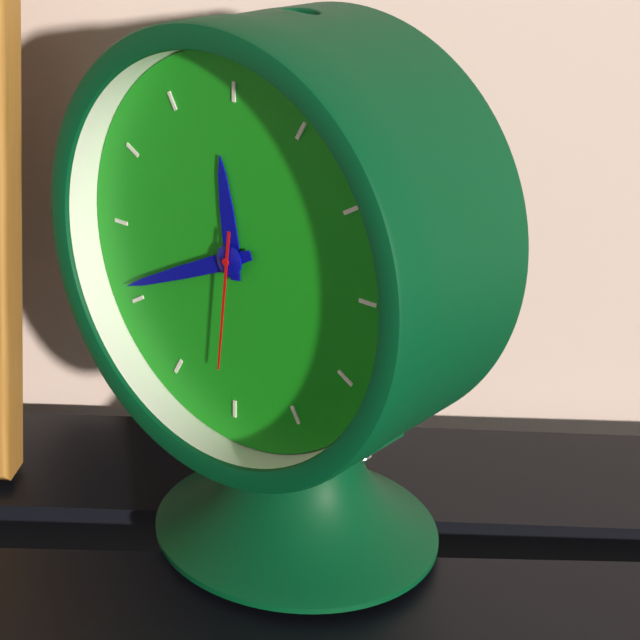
11:41:31
